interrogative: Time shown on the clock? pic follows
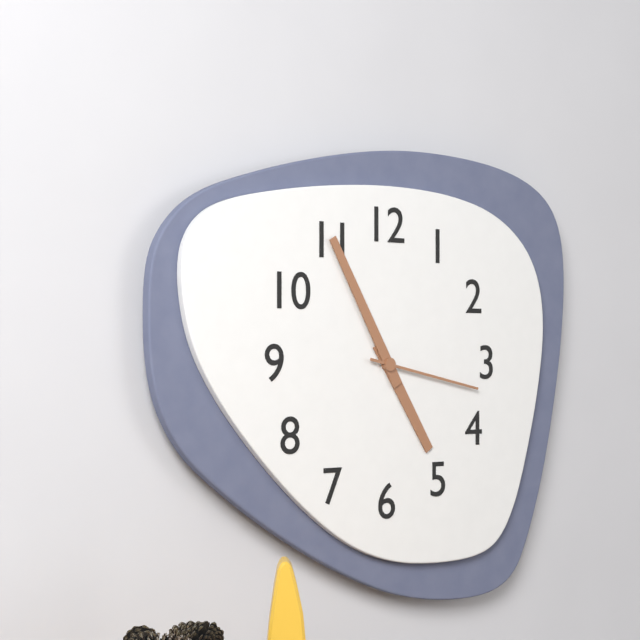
4:55:17
